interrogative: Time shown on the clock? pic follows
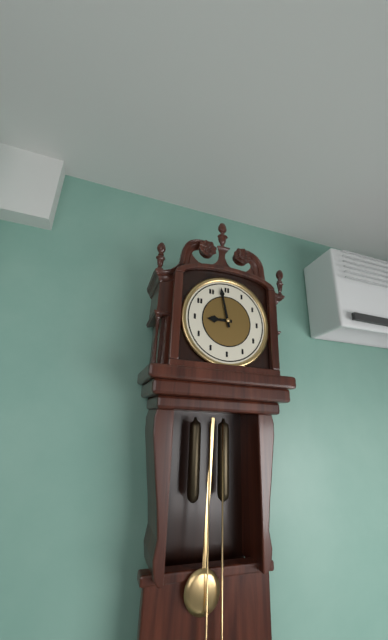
8:58
